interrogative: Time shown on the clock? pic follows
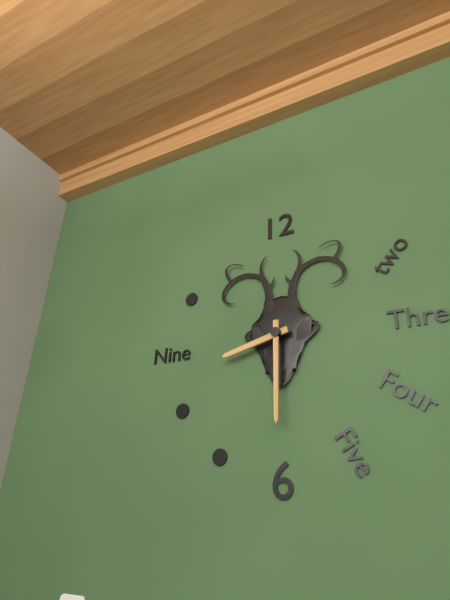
8:30
